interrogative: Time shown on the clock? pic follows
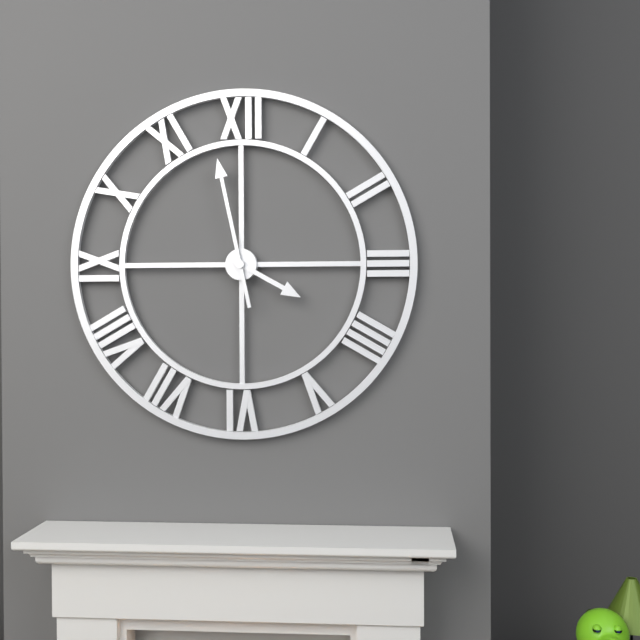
3:58
